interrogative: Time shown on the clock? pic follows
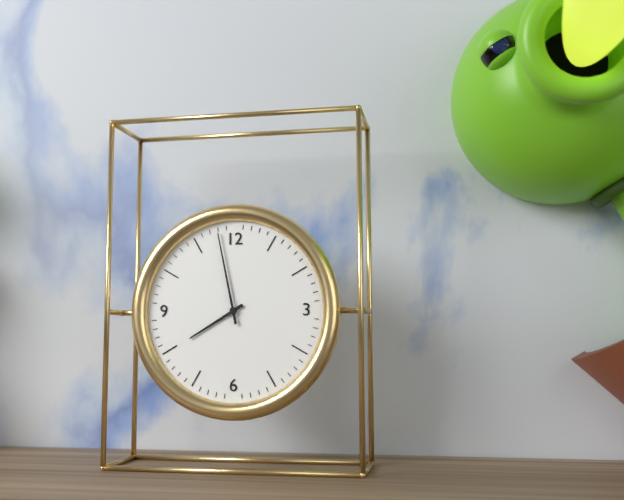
7:58
